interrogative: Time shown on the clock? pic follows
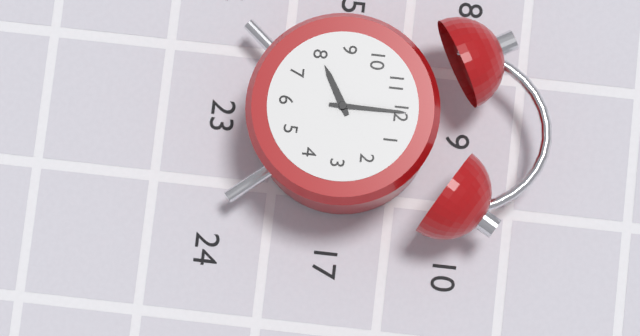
8:00
